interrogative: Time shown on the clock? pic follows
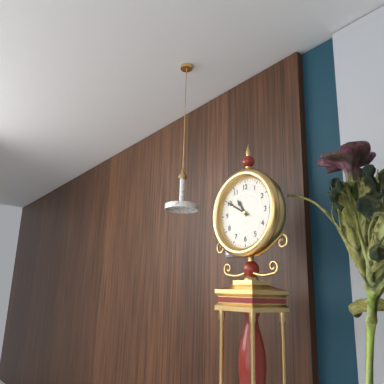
10:50
